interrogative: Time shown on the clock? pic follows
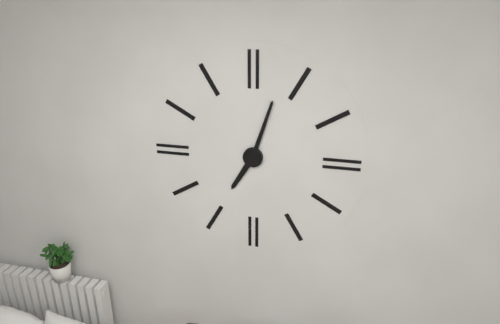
7:03
